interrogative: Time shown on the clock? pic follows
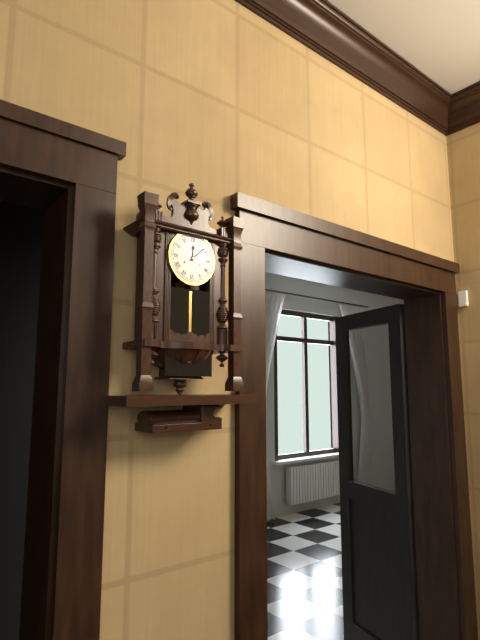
12:08
